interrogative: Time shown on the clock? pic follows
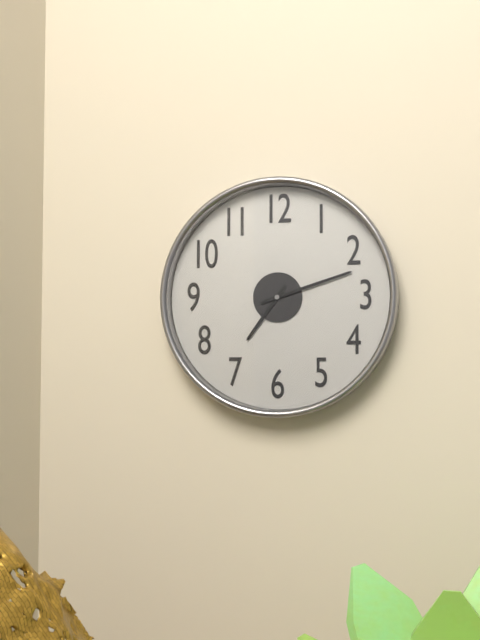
7:12
